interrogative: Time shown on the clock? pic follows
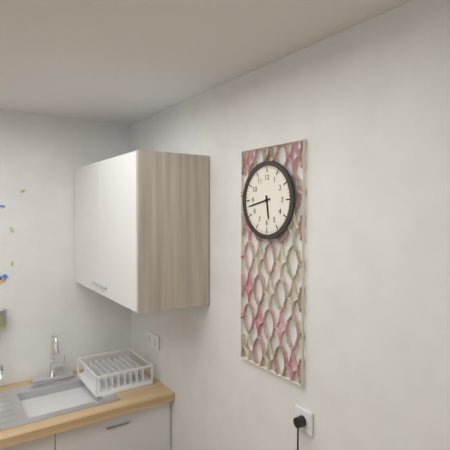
5:43
